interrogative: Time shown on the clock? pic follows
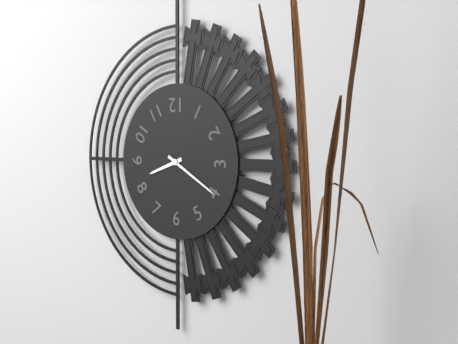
8:20
